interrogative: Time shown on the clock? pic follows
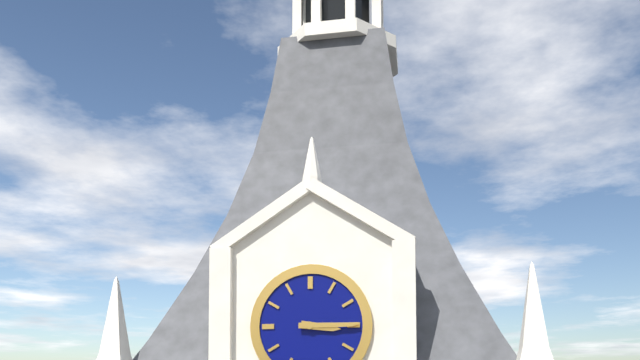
3:15
